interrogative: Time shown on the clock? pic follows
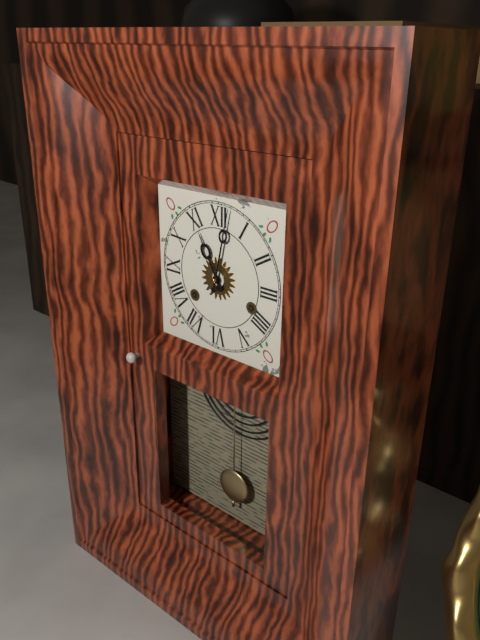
11:02
